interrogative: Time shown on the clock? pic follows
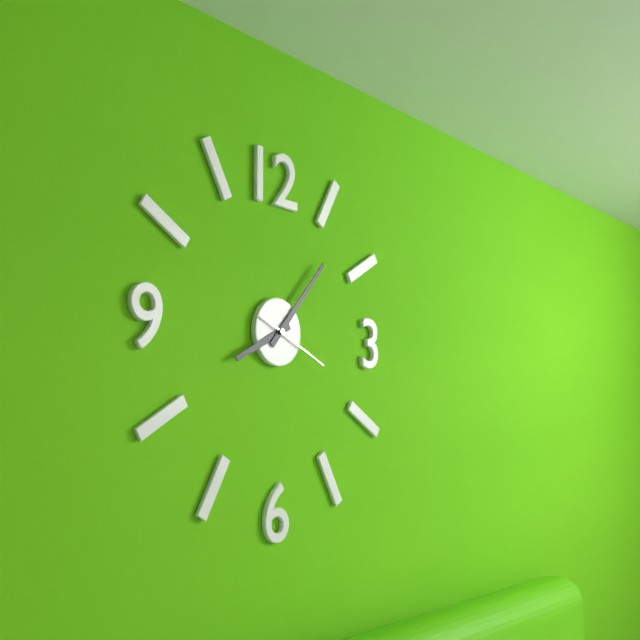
8:07:19
